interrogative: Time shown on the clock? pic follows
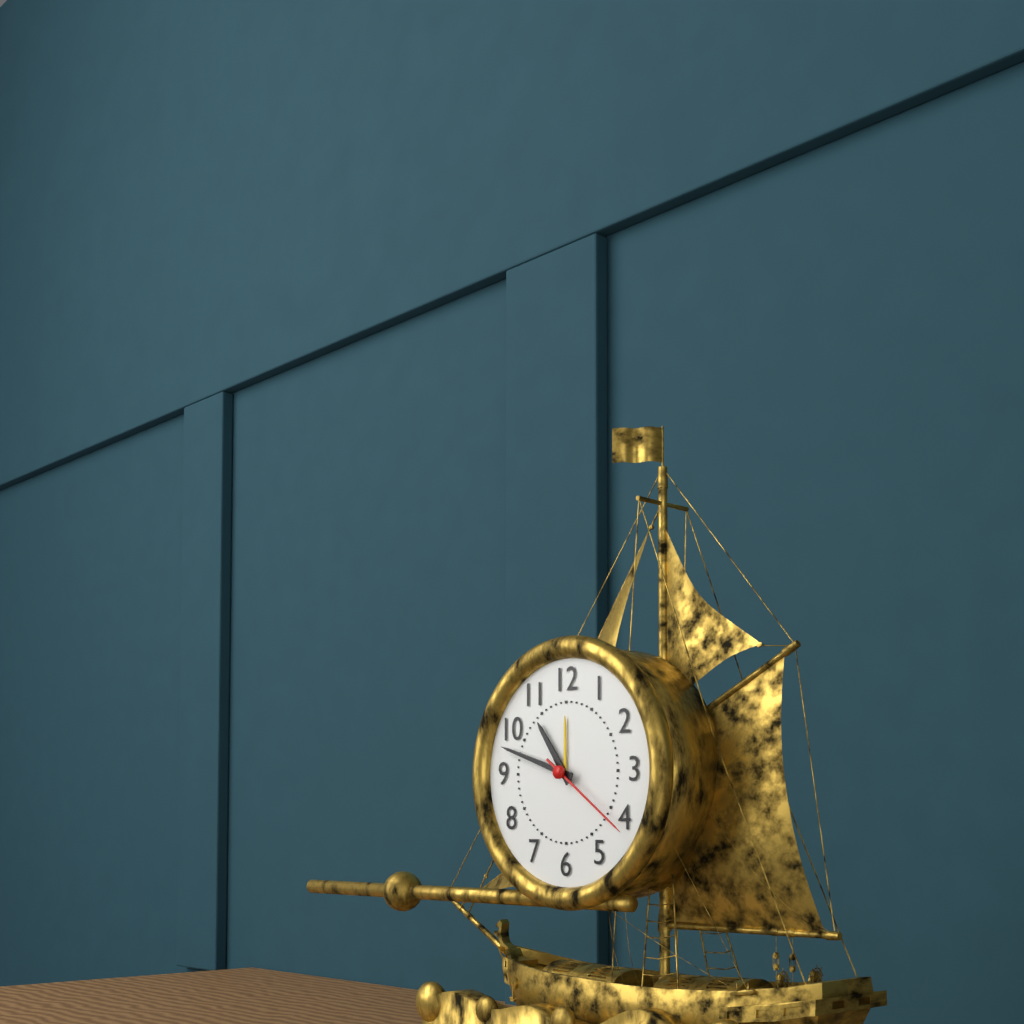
10:48:21
